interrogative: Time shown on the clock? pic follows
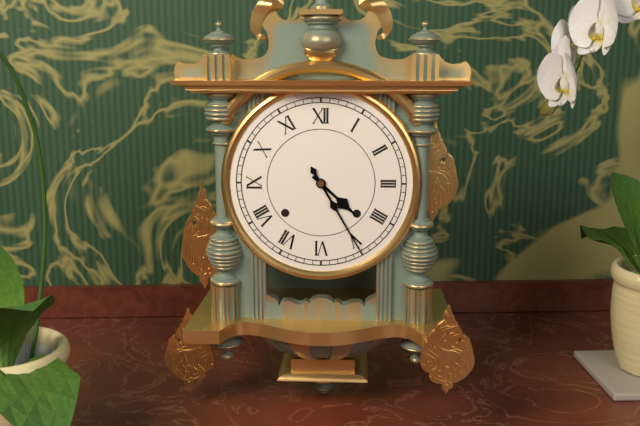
4:25
